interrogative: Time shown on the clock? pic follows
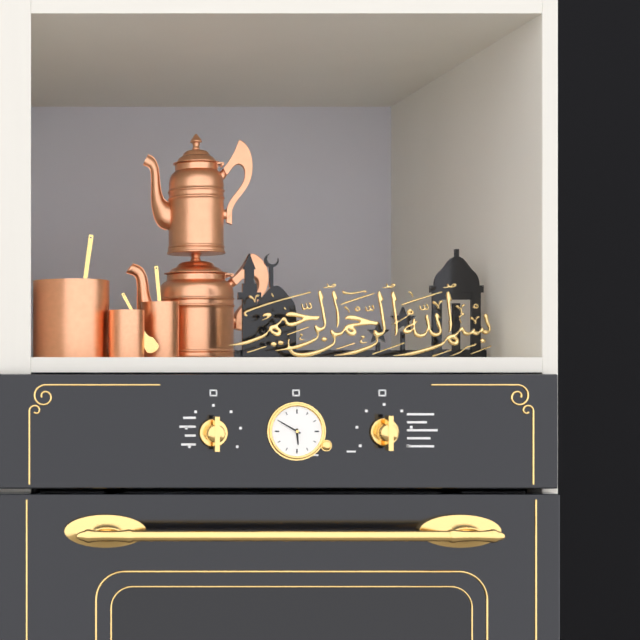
5:50
